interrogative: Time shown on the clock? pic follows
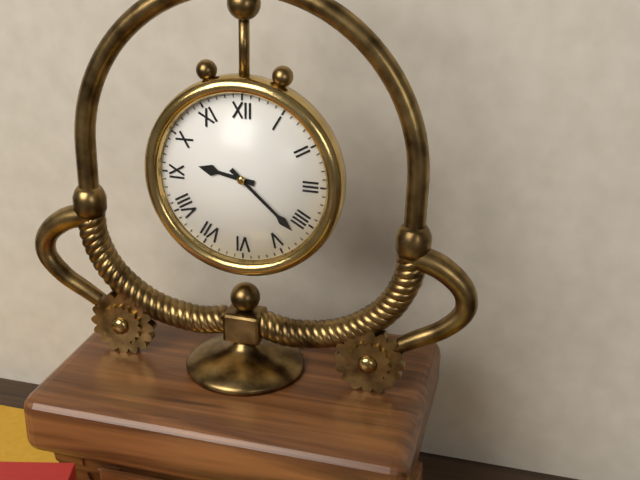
9:22
